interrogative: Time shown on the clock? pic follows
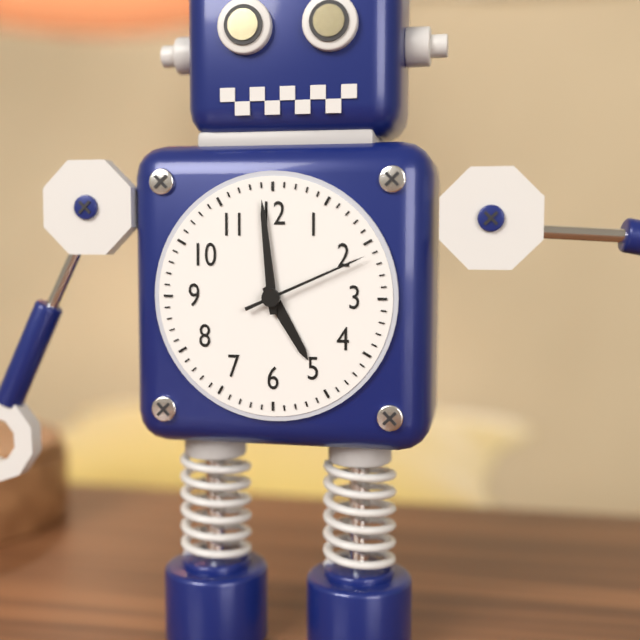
4:59:11
